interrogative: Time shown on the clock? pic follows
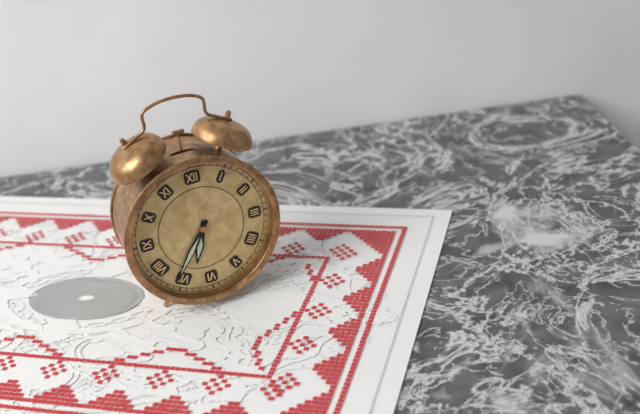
6:36
